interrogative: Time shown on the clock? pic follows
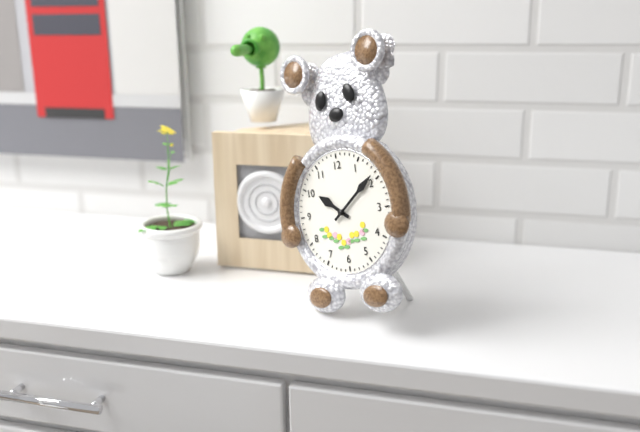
10:09
